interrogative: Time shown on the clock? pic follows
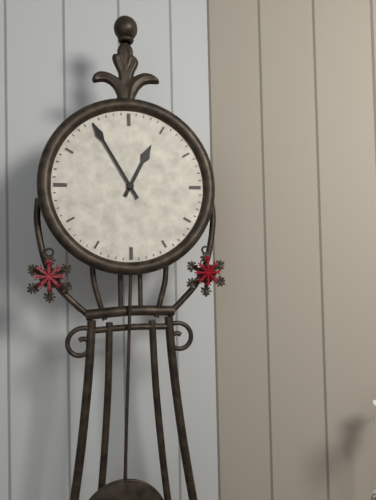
12:55
